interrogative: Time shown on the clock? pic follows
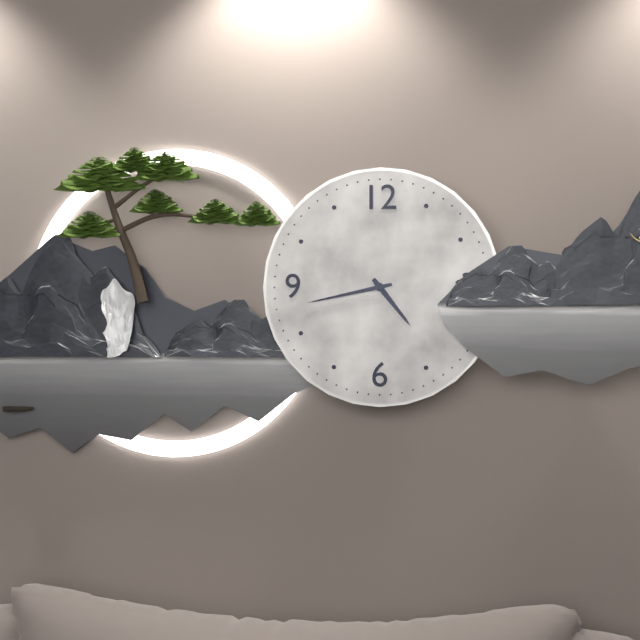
4:43
